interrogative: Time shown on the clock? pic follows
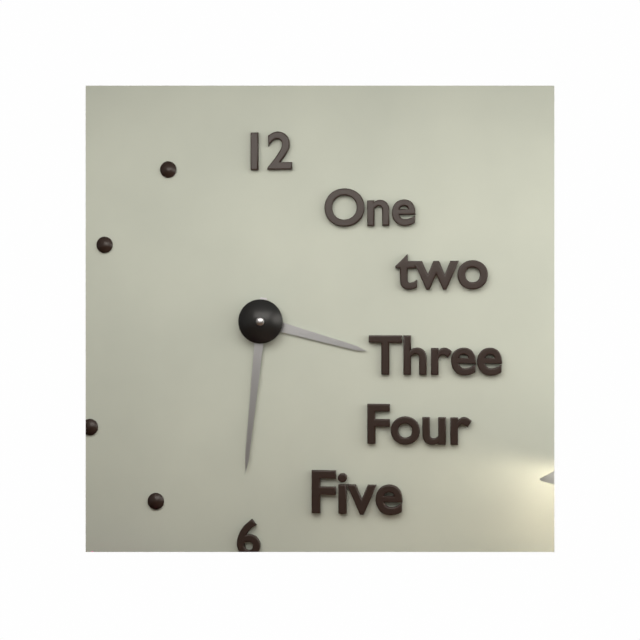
3:31
